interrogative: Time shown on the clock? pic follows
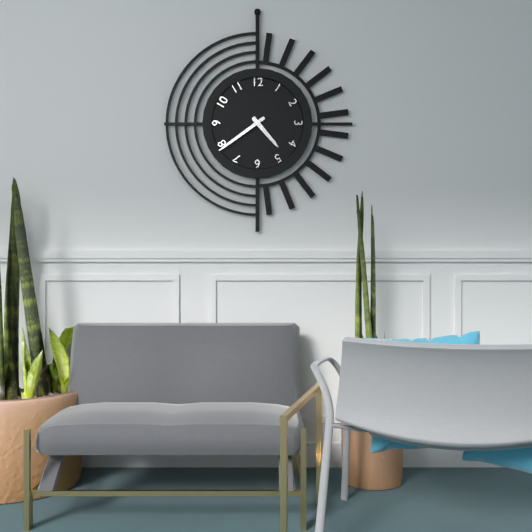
4:39
